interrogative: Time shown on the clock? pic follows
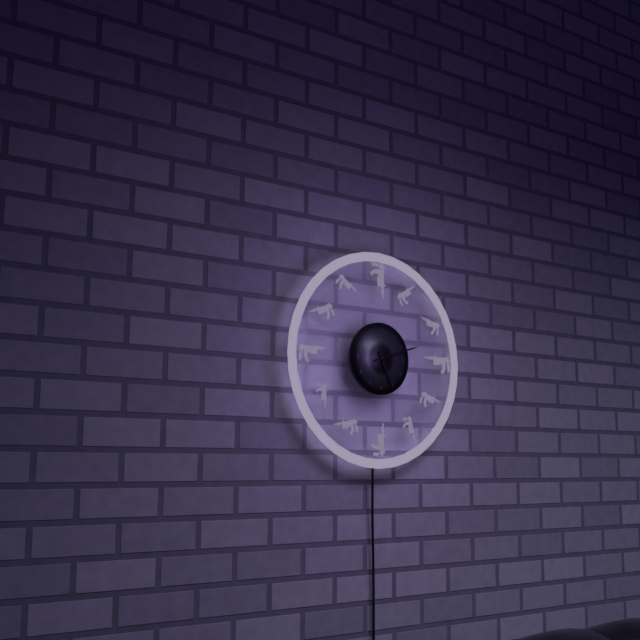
5:12
